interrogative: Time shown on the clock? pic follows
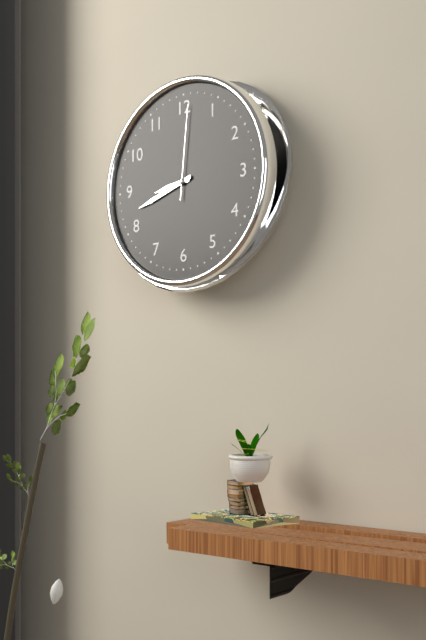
8:42:01
